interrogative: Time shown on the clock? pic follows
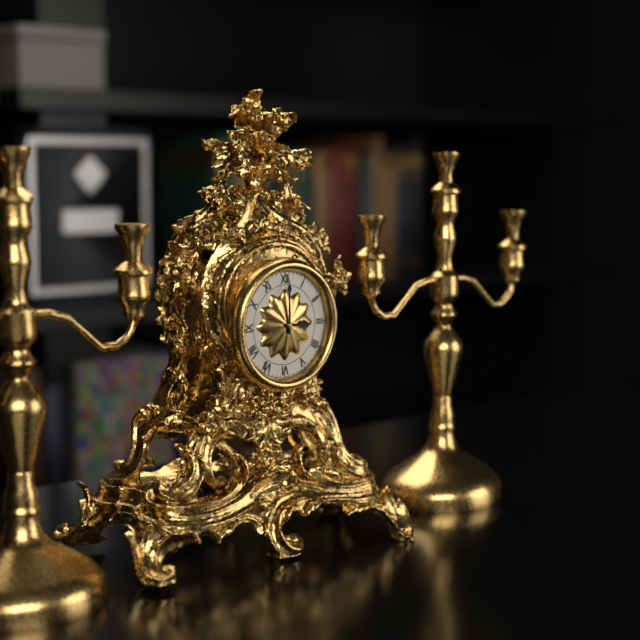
3:00
